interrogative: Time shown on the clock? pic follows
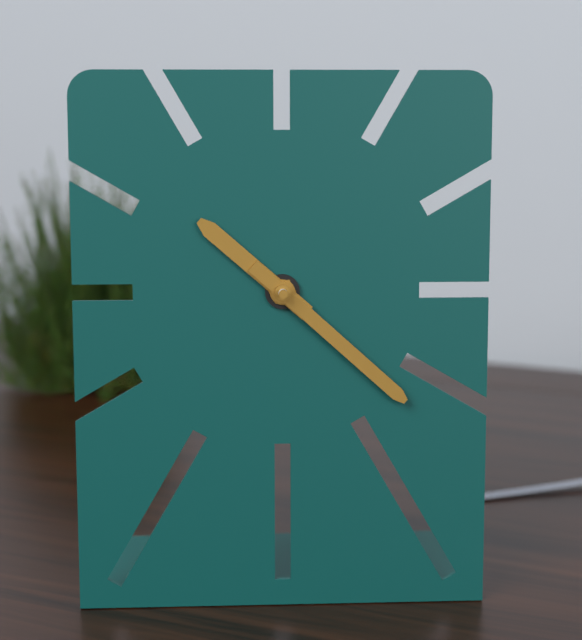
10:22
